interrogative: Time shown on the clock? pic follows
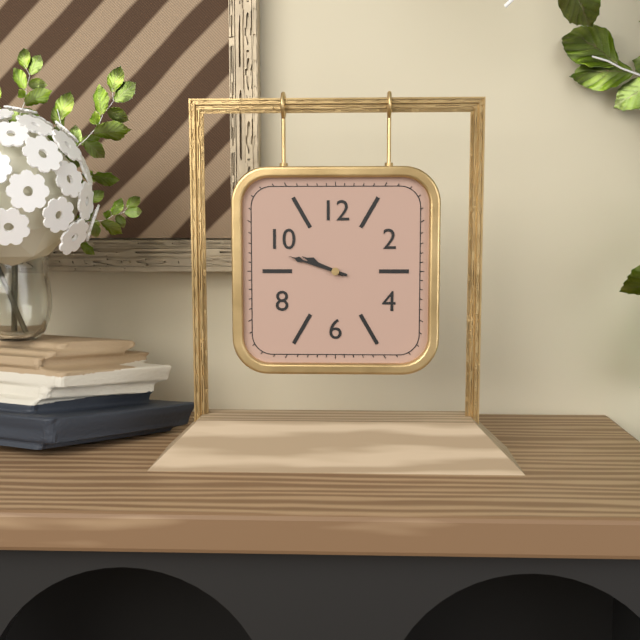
9:48
